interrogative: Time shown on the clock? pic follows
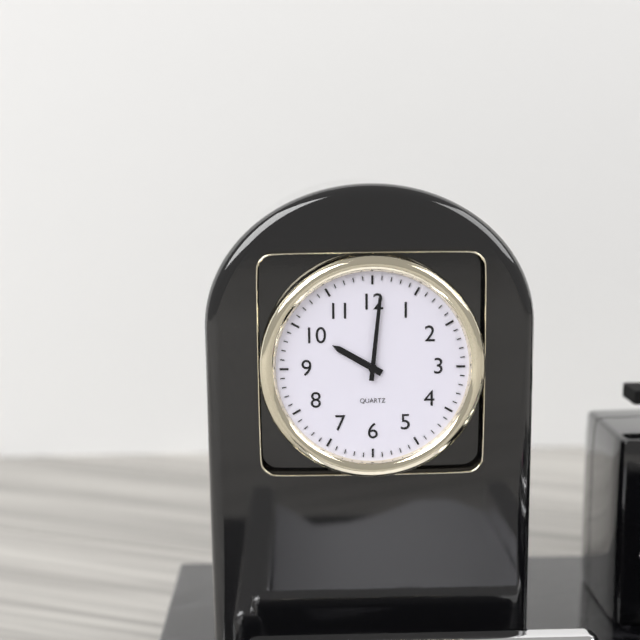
10:01
